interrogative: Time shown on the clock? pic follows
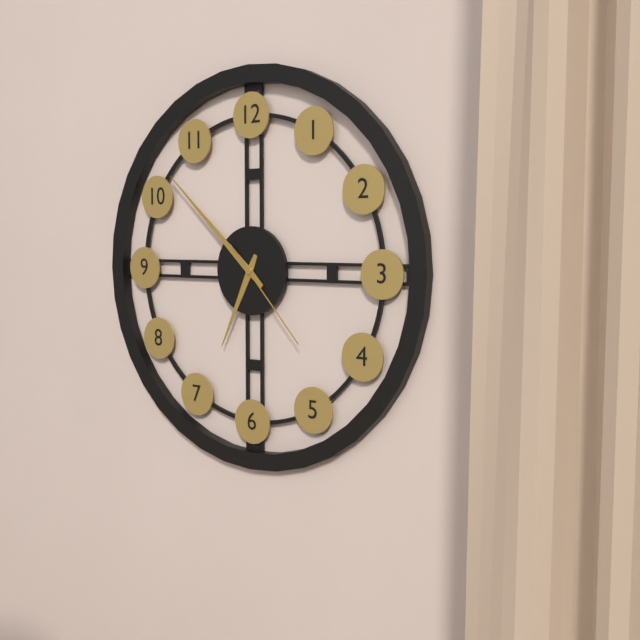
6:52:23
